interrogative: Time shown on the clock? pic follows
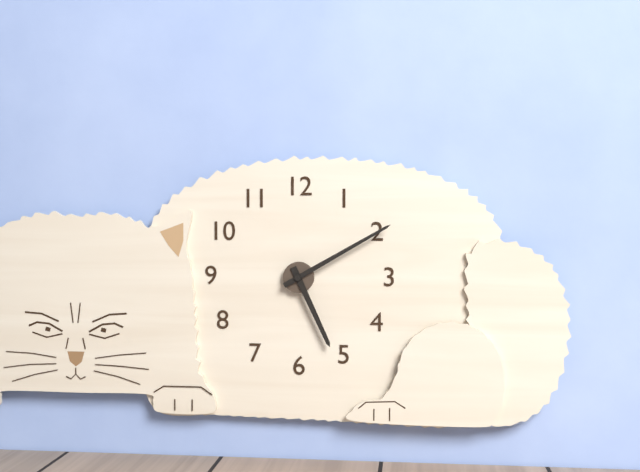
5:10
